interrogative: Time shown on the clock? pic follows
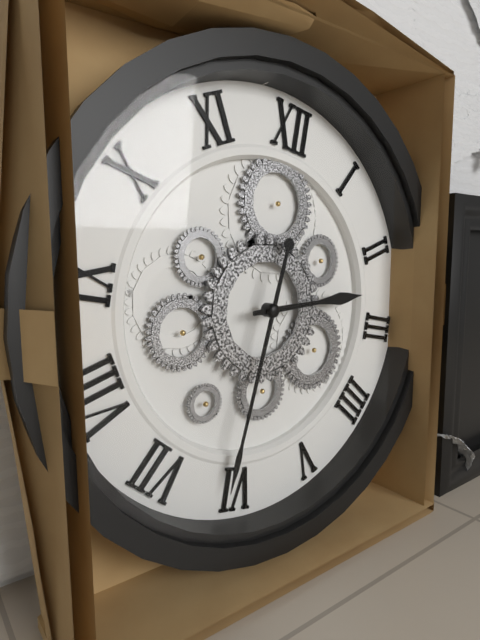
2:31
